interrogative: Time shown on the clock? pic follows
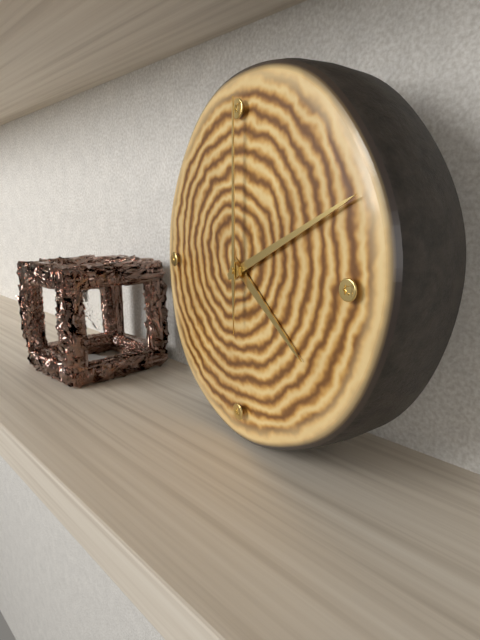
4:11:00
